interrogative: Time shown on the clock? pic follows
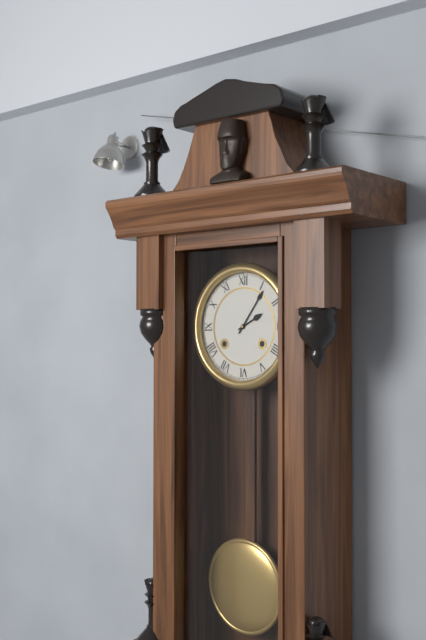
2:06
